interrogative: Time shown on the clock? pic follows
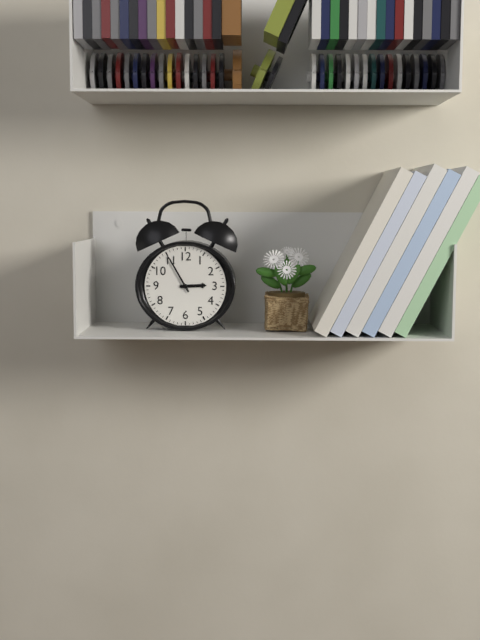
2:55
